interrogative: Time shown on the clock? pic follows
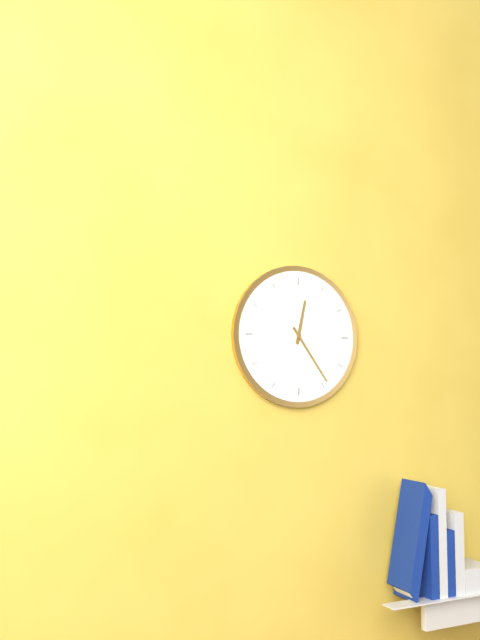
12:24
